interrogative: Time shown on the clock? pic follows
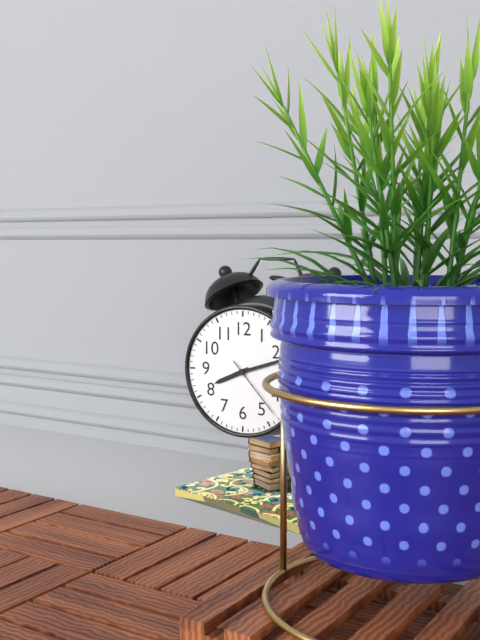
8:12:23
